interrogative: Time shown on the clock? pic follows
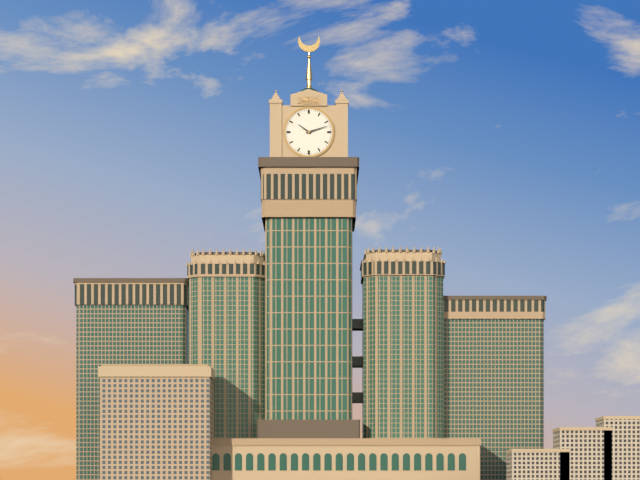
10:12
